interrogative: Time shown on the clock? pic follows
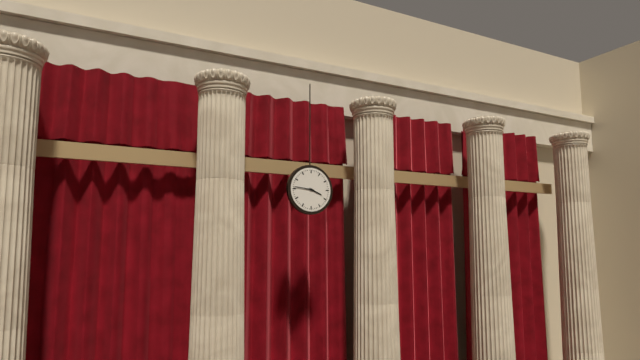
3:46
